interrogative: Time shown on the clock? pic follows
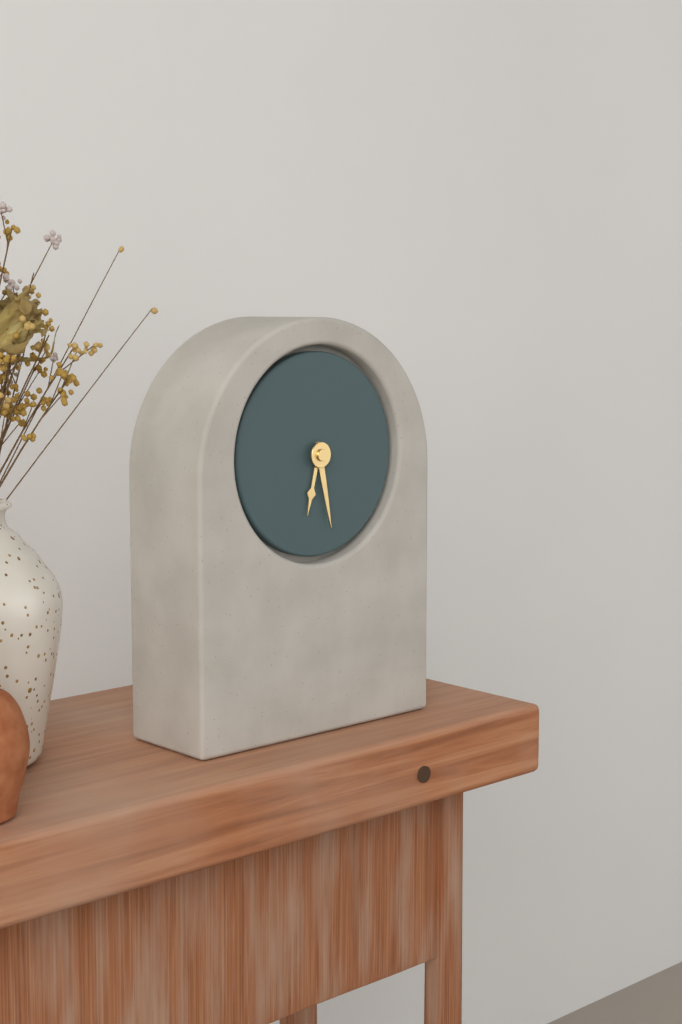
6:28
